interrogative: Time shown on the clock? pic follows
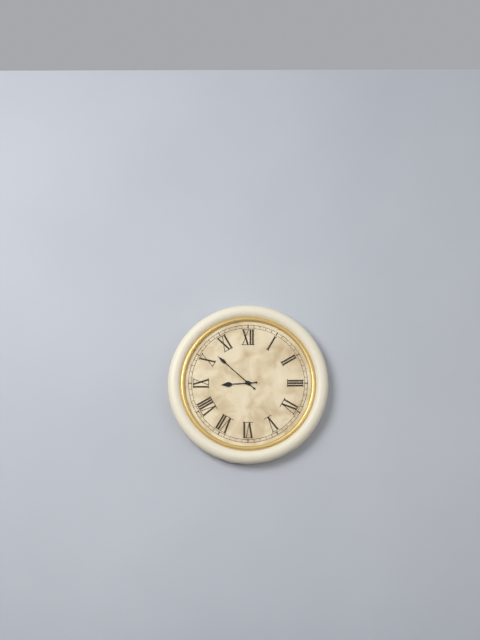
8:52
